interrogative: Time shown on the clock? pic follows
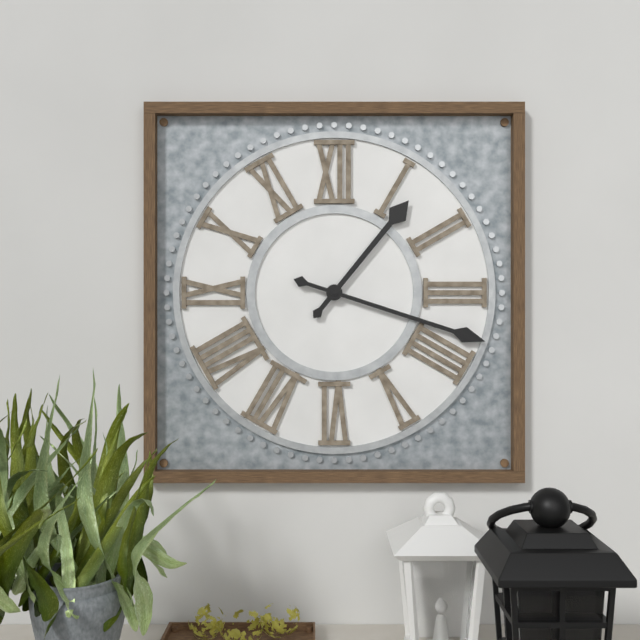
1:18
